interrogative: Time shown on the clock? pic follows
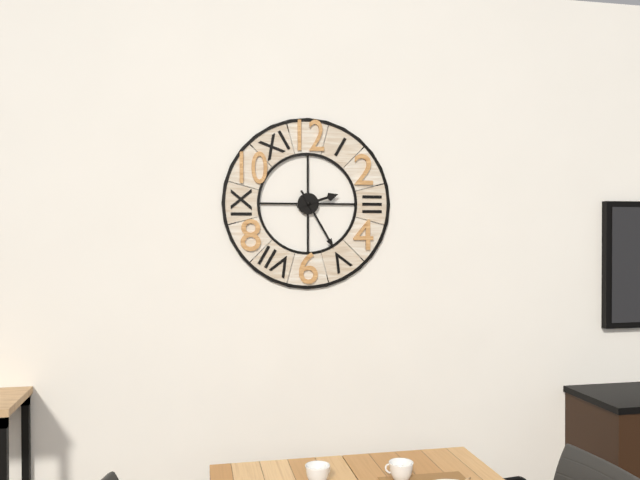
2:25
